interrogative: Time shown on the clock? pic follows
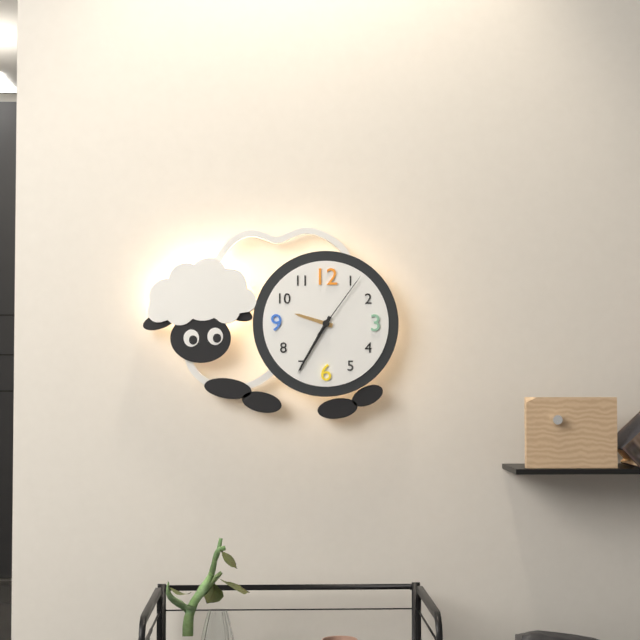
9:35:06
